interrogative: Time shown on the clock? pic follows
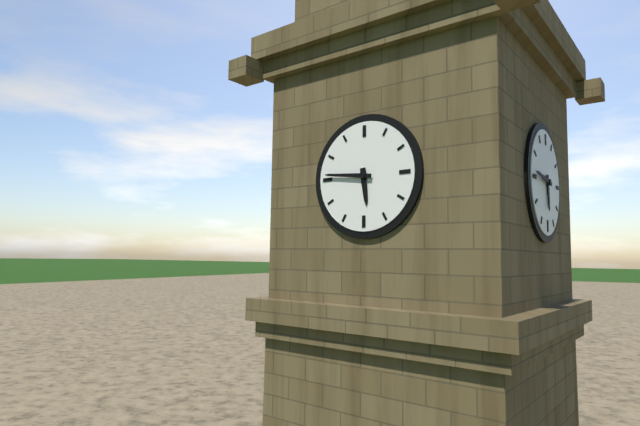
5:46
